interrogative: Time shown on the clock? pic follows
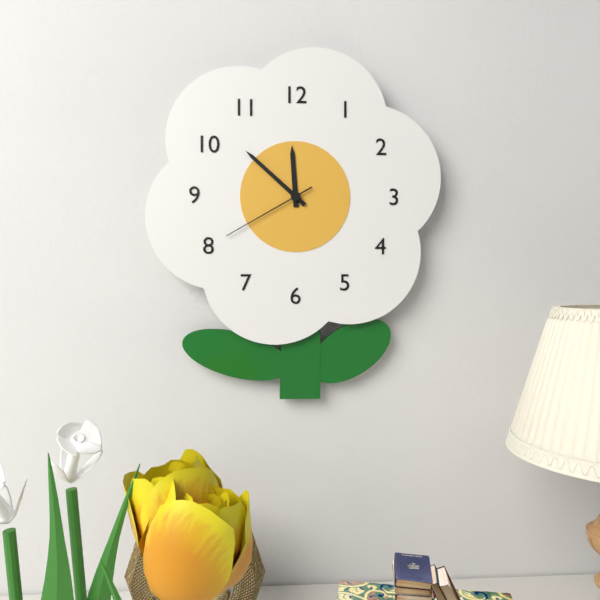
11:52:40
